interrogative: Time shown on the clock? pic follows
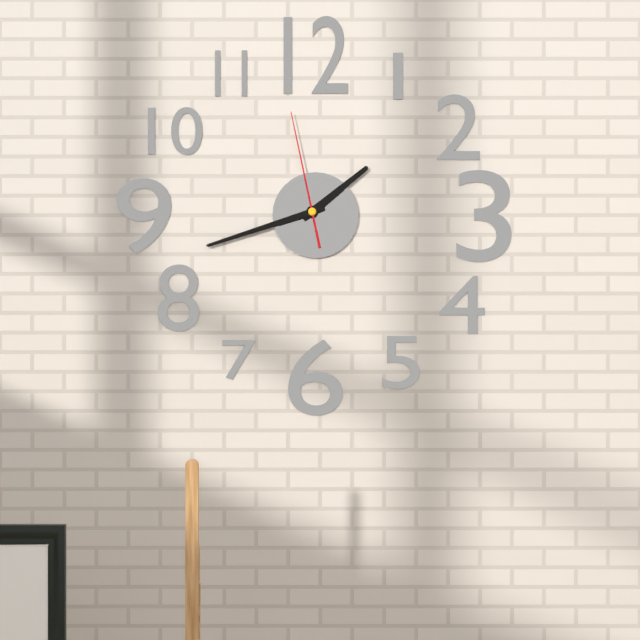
1:42:58
